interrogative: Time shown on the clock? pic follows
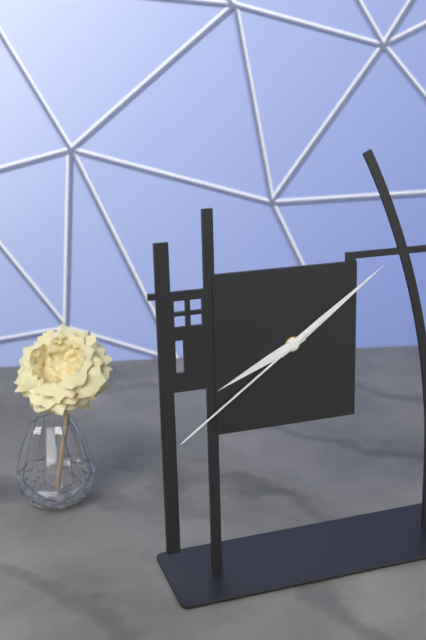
8:09:39
